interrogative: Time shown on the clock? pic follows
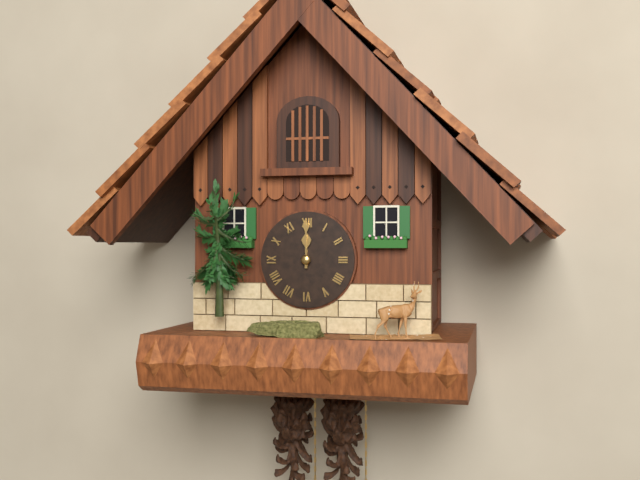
12:00
